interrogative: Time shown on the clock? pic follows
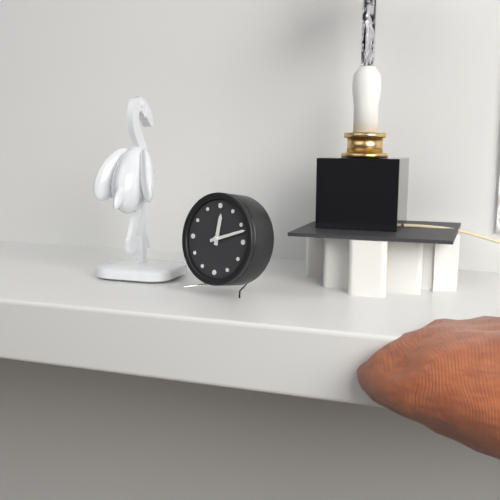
12:12
